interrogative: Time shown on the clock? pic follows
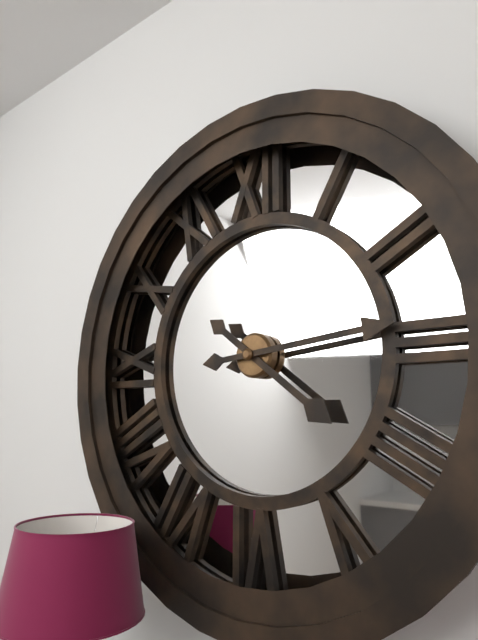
4:14
